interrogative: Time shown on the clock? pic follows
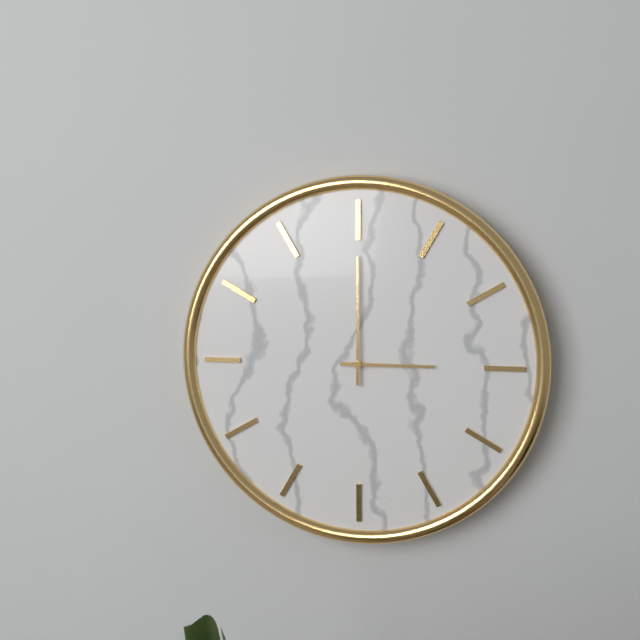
3:00
